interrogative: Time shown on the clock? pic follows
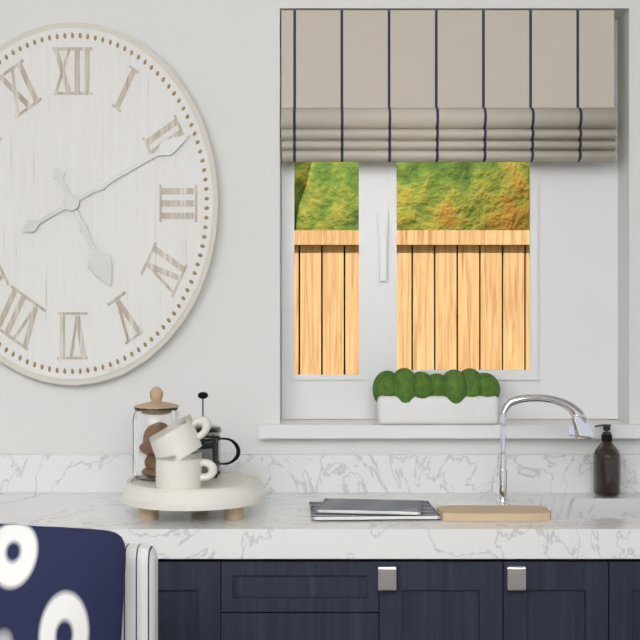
5:10
